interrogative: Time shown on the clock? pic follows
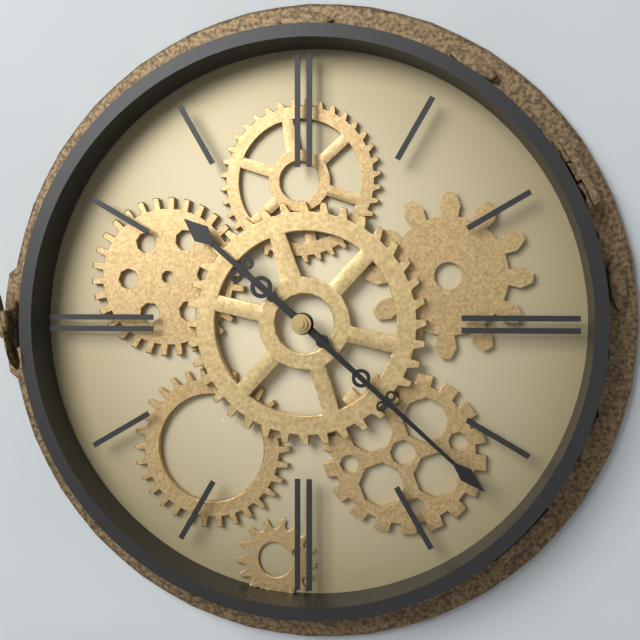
10:22
